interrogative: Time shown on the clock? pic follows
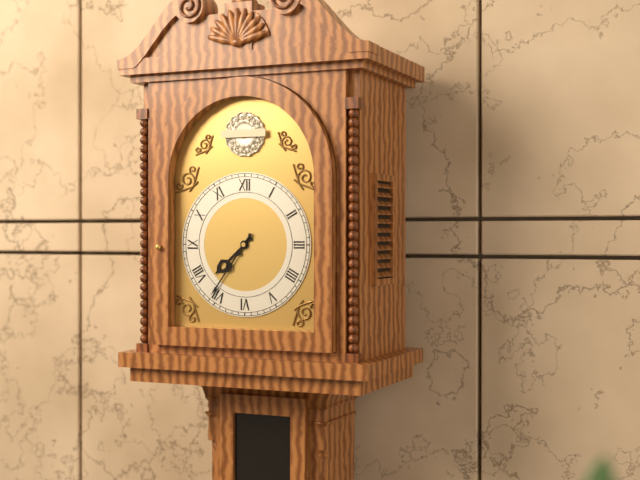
7:36
